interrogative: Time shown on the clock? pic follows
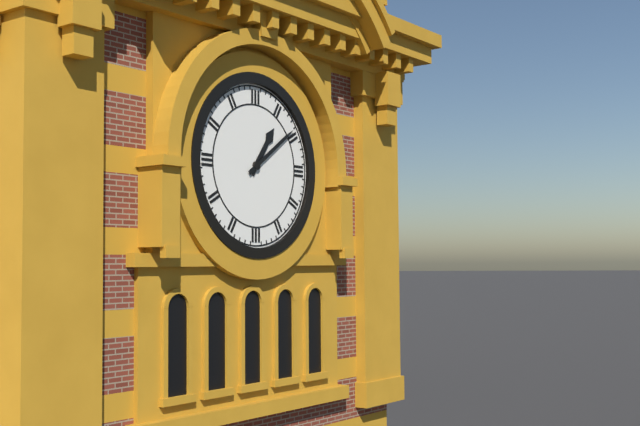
1:09
